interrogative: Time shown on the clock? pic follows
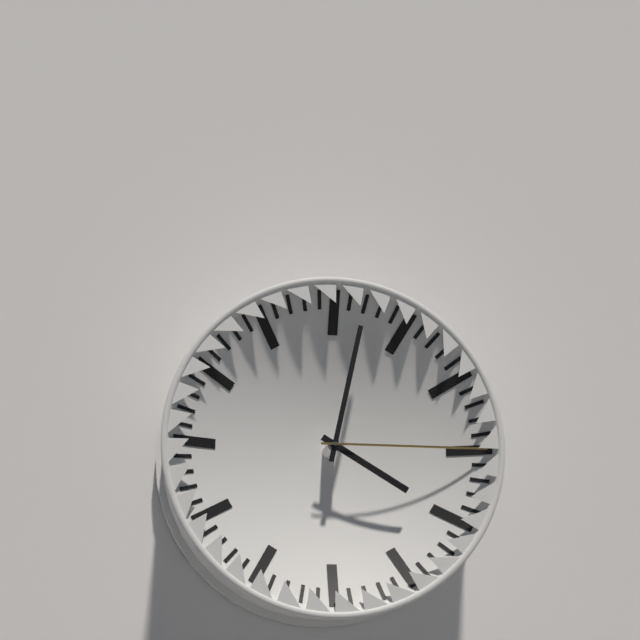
4:02:15
